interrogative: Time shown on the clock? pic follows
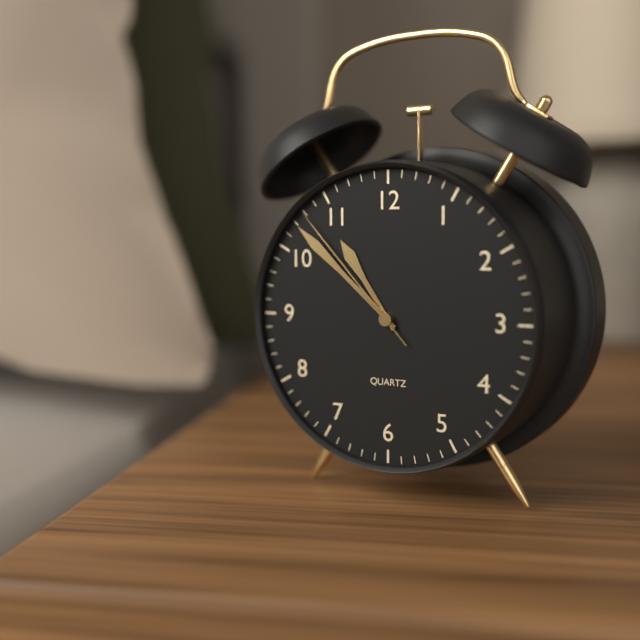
10:52:53
